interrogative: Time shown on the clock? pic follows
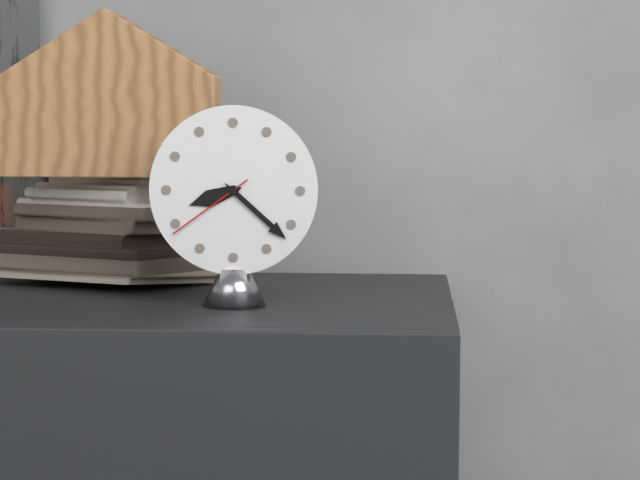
8:22:39
